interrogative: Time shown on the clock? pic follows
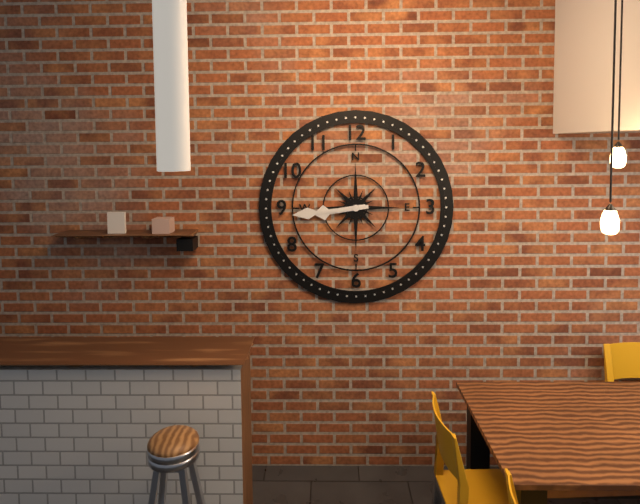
8:44
